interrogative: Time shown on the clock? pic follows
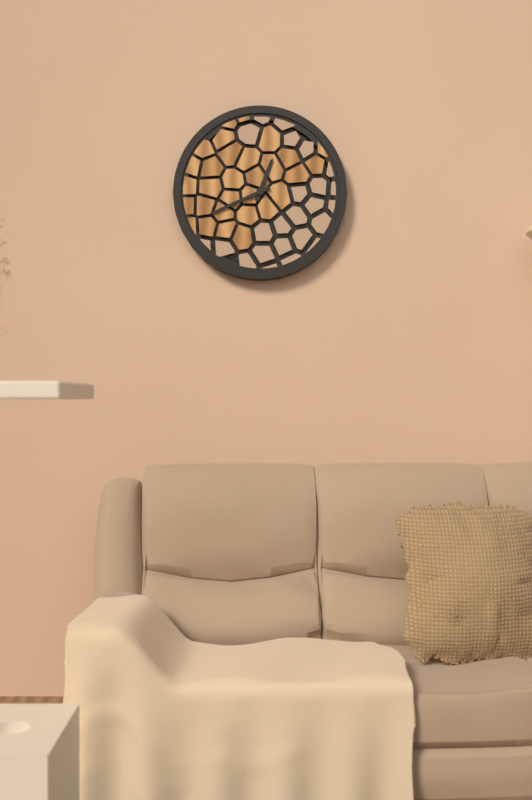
12:41
